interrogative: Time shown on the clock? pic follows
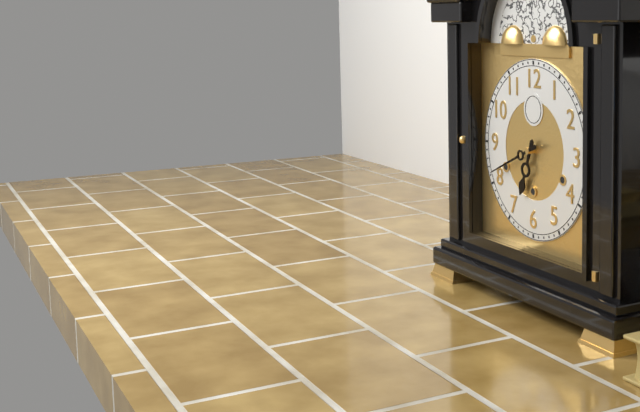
6:41
